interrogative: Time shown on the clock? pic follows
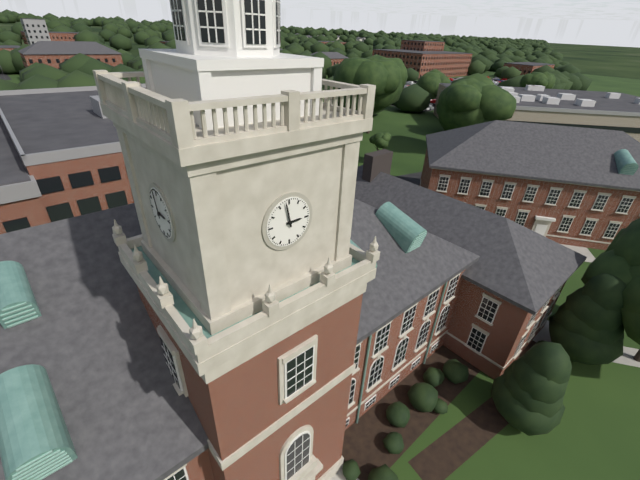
2:58
